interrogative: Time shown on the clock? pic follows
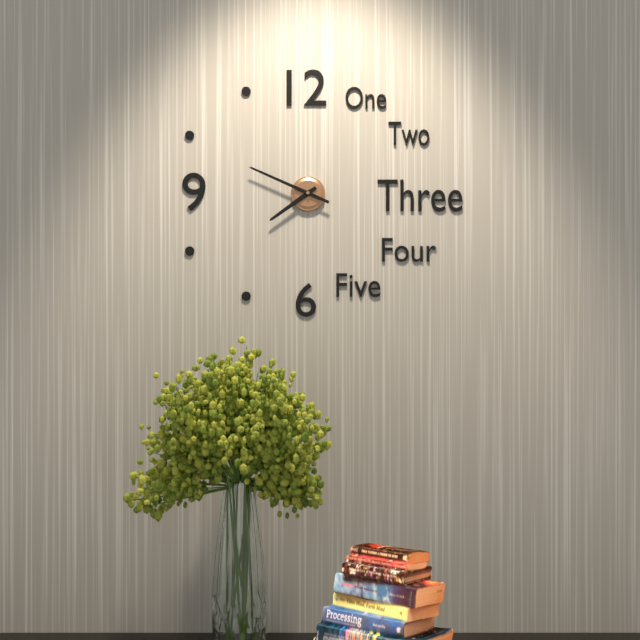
7:49
